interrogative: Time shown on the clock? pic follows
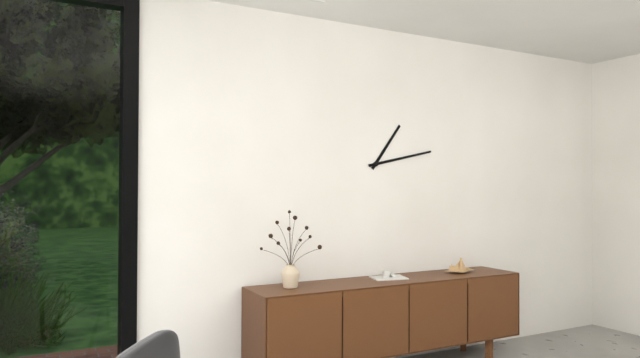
1:13
